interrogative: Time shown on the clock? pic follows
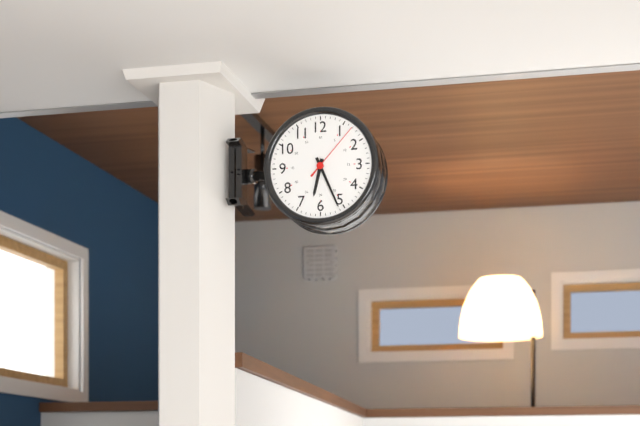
6:26:07
